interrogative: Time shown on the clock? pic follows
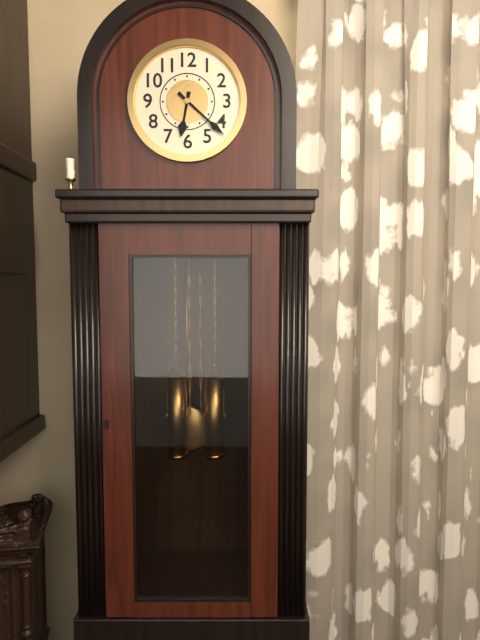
6:22
